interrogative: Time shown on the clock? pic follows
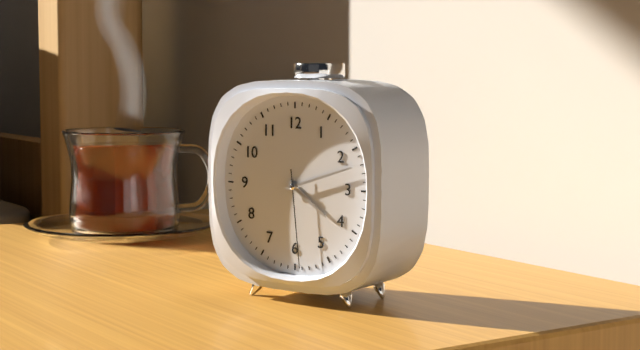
4:12:29
